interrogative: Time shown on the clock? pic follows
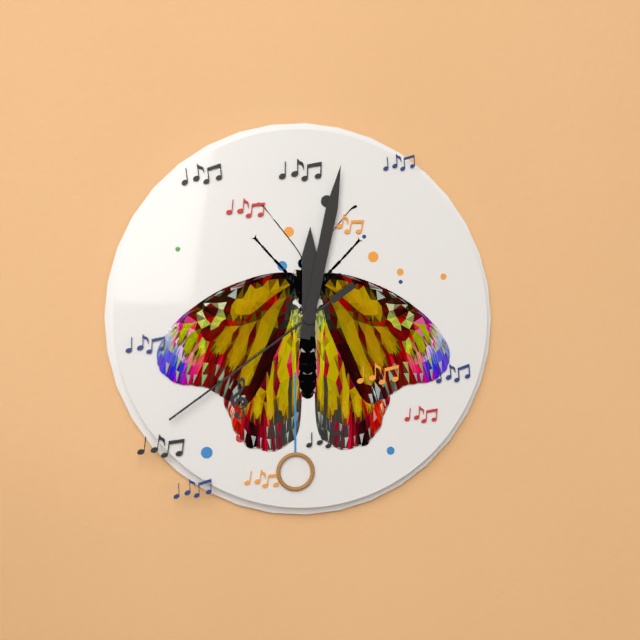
12:02:39
